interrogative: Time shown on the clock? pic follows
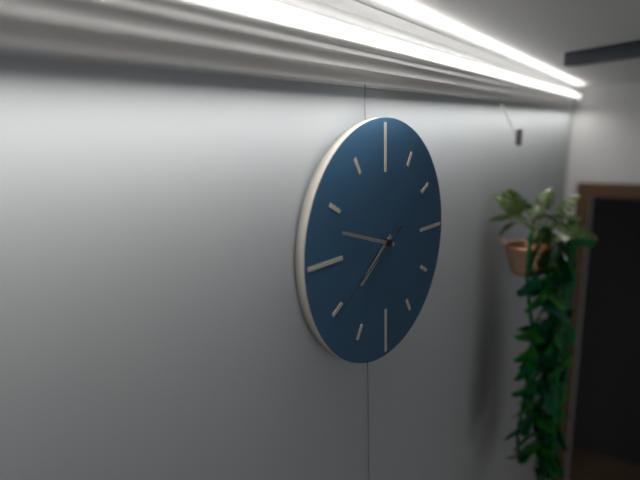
7:48:40
